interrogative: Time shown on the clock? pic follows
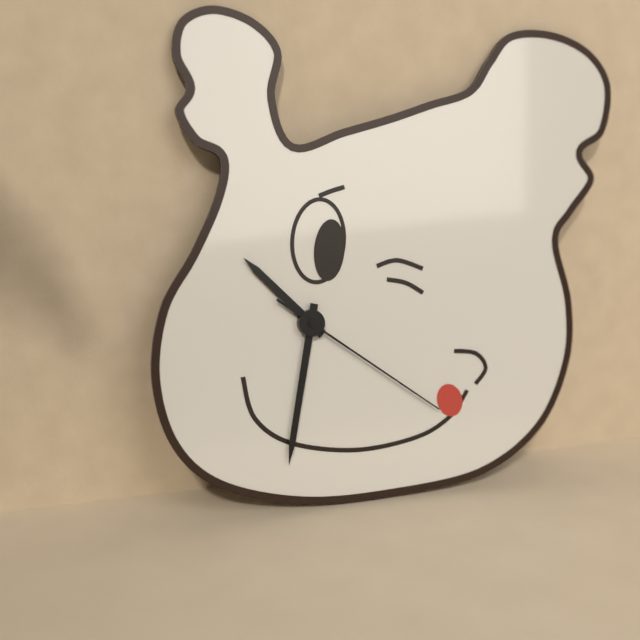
10:32:21
